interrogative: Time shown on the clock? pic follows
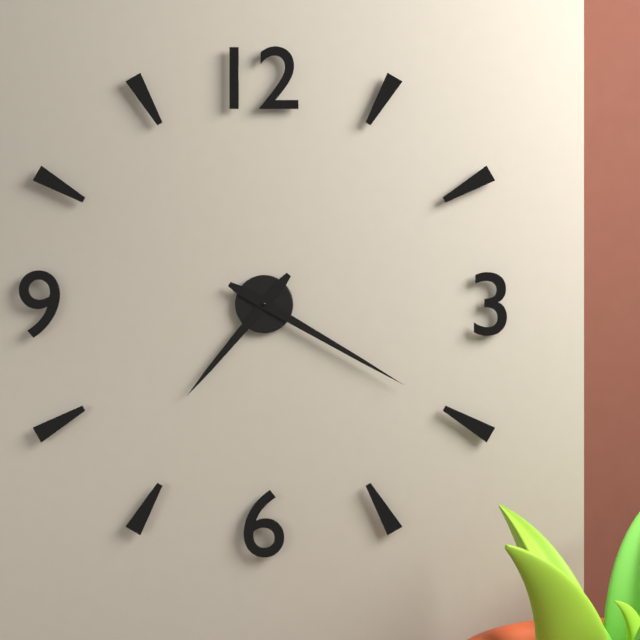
7:20
